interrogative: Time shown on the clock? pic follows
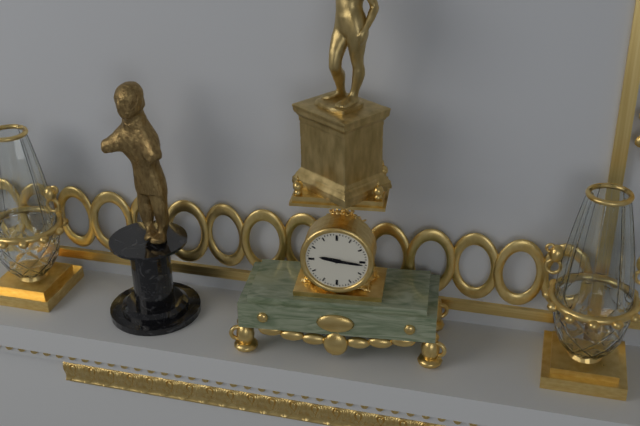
9:16
